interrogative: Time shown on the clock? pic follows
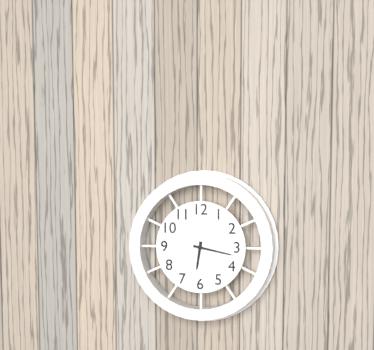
6:17
